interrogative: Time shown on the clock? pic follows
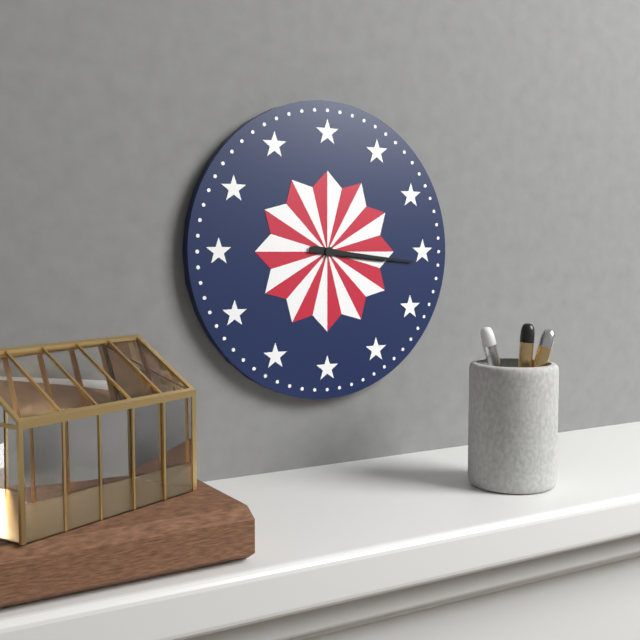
3:16
